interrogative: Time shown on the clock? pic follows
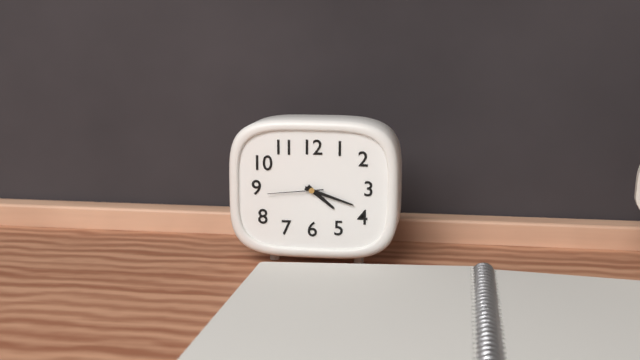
4:18:44
